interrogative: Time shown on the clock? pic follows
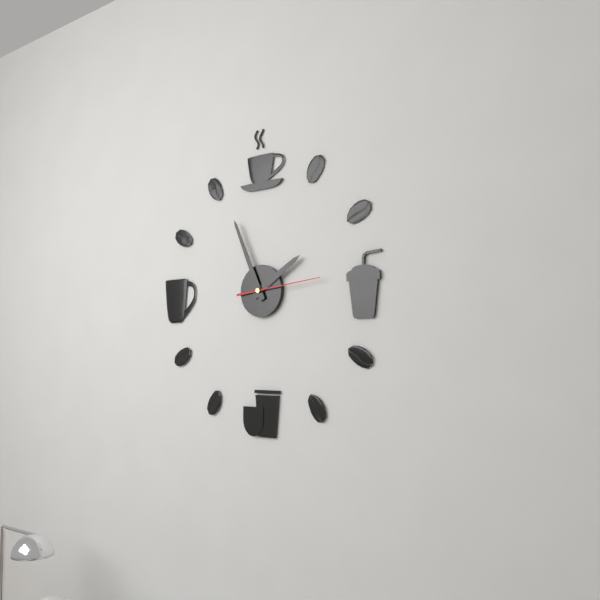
1:56:14
